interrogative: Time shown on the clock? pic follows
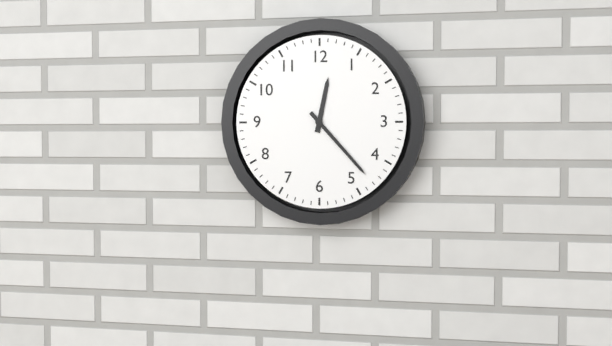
12:23
